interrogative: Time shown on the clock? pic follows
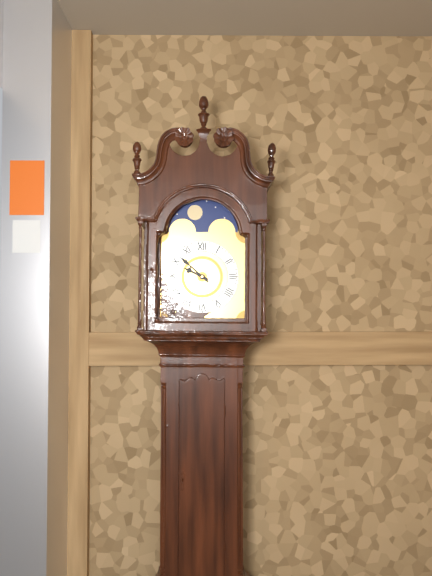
9:52
